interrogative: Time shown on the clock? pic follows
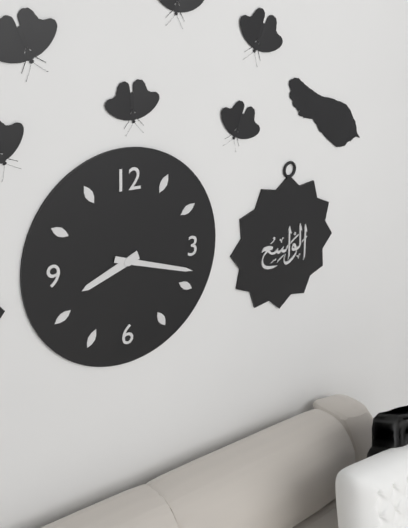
8:18
